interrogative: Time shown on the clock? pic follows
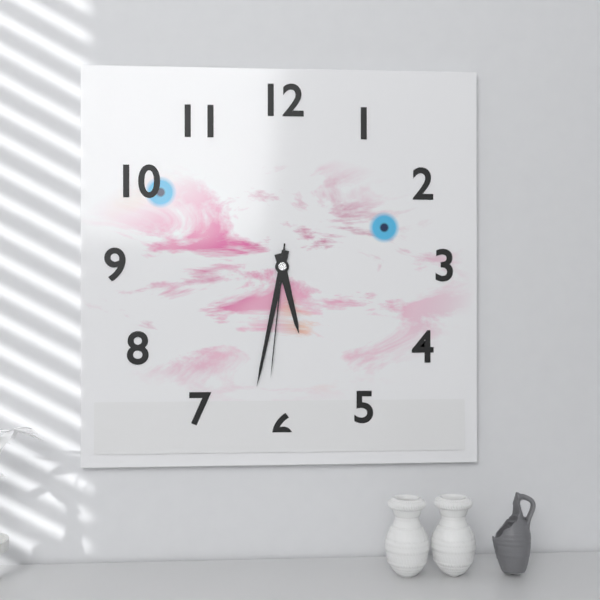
5:32:31
